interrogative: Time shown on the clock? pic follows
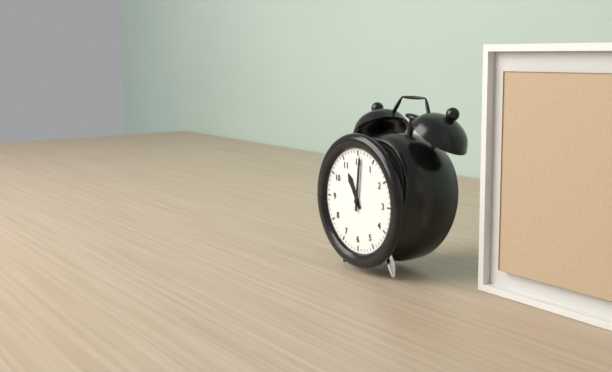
11:01
